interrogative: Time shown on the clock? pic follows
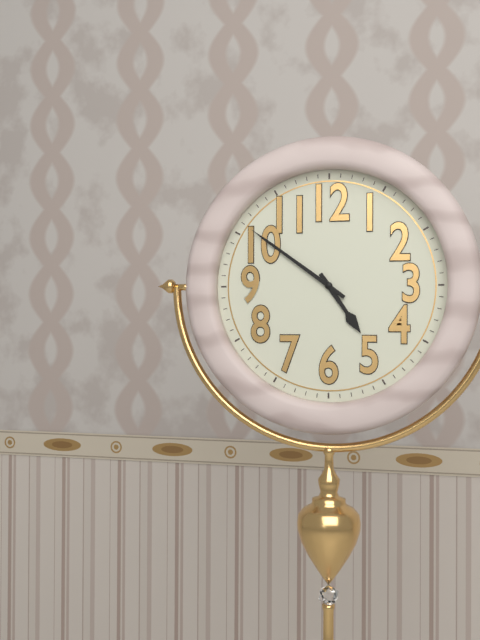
4:51
